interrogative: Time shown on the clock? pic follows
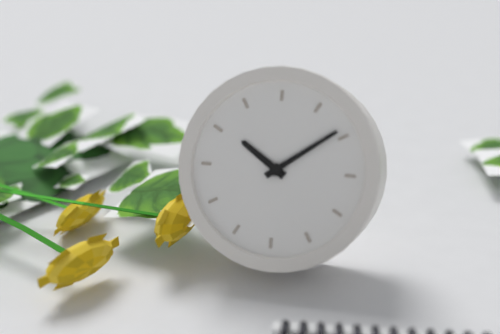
10:09
